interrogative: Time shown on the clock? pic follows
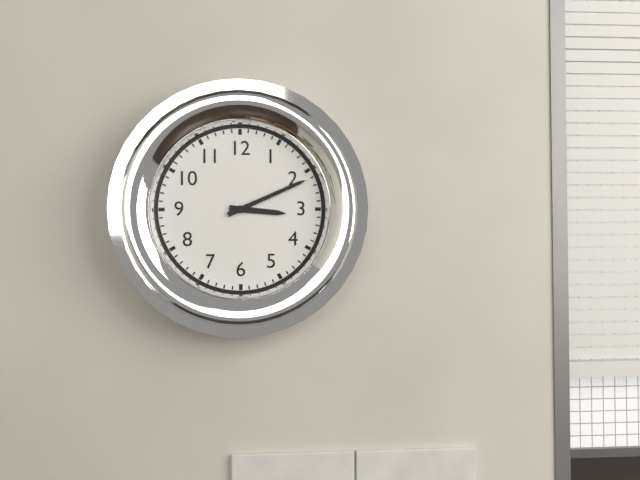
3:11
